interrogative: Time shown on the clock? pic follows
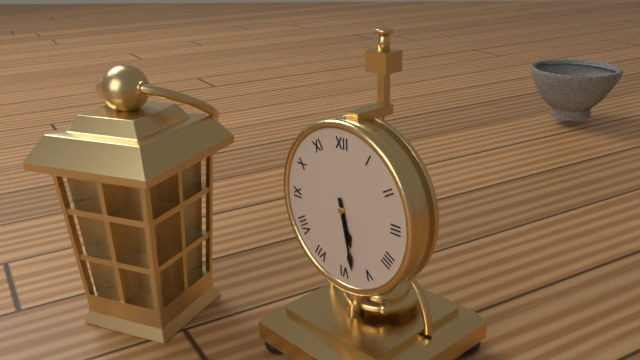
5:28
